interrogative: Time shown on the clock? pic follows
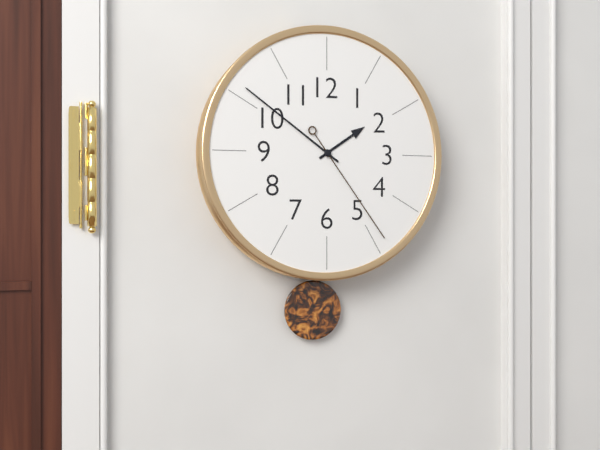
1:51:24
